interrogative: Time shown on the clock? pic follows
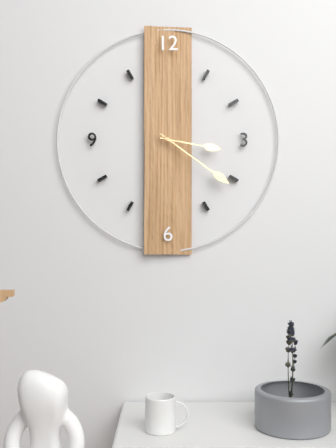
3:21
